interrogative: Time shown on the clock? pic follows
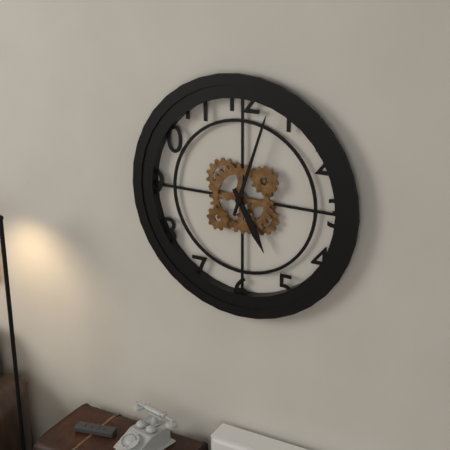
5:03
